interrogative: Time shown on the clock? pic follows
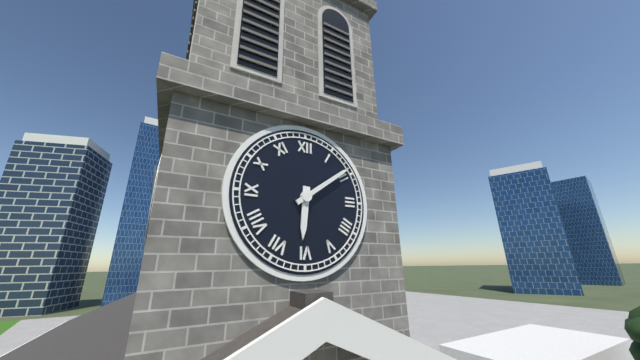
6:09
